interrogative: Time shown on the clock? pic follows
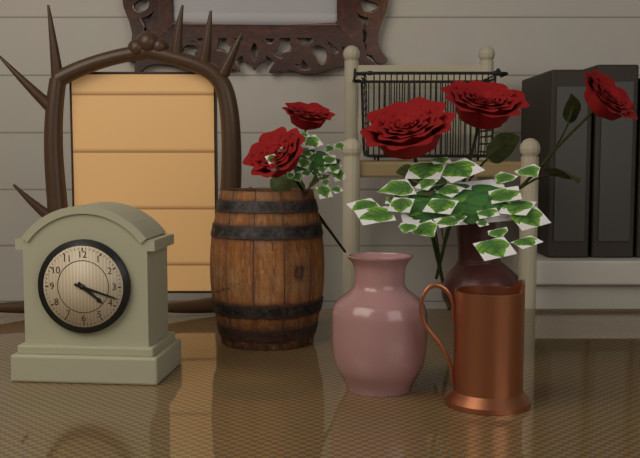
4:18
